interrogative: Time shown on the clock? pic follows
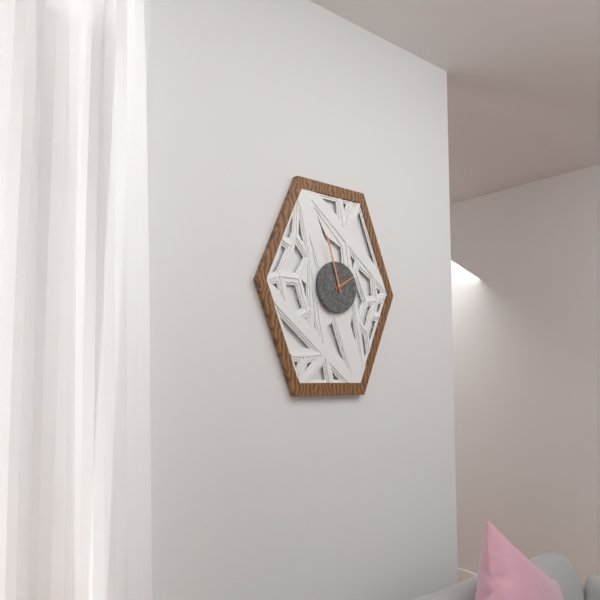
1:57
